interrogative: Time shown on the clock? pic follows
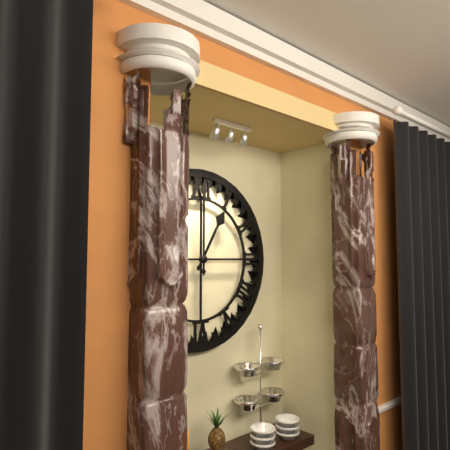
1:00
